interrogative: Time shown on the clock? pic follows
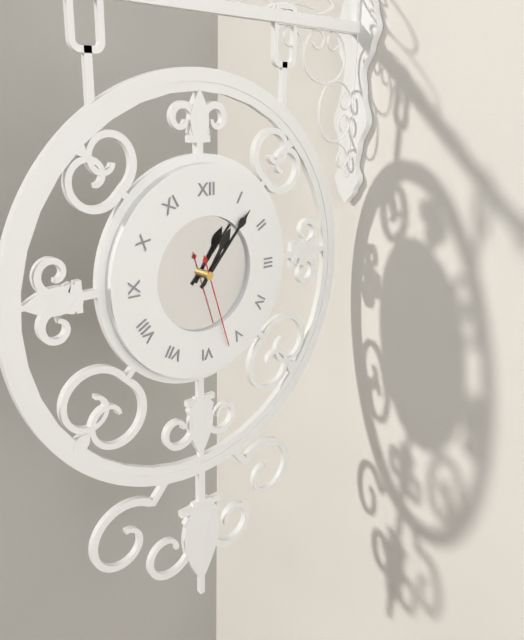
1:07:27
